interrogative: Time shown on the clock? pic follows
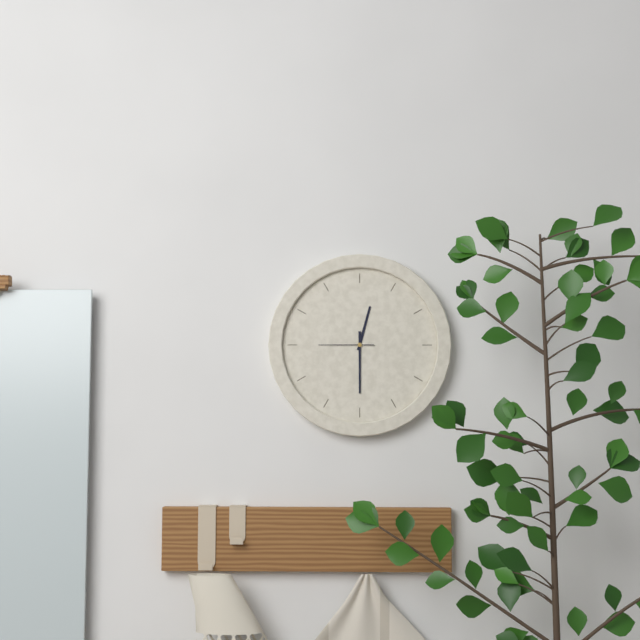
12:30:45
